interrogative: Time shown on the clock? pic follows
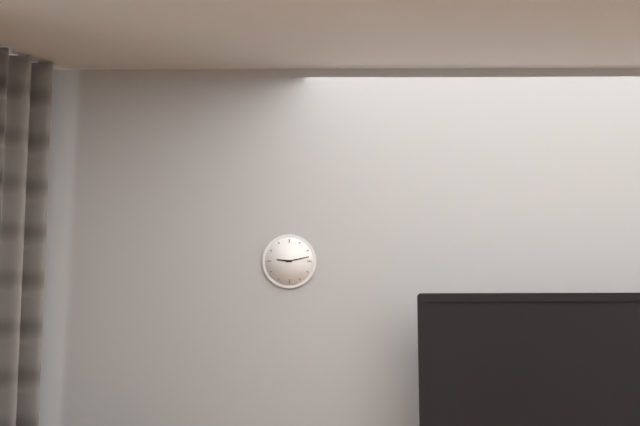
9:13
